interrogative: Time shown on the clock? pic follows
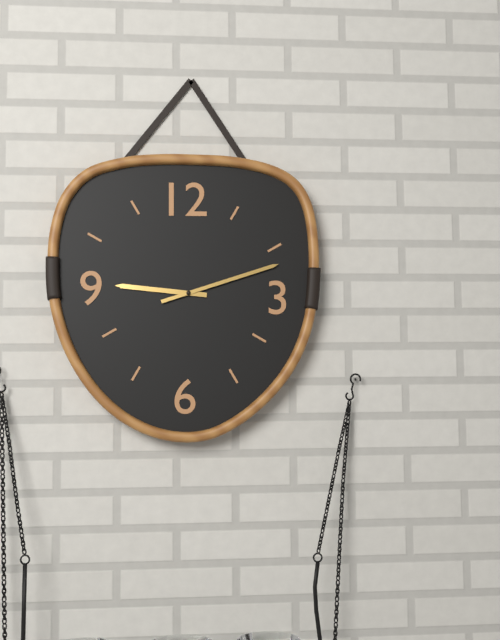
9:12
